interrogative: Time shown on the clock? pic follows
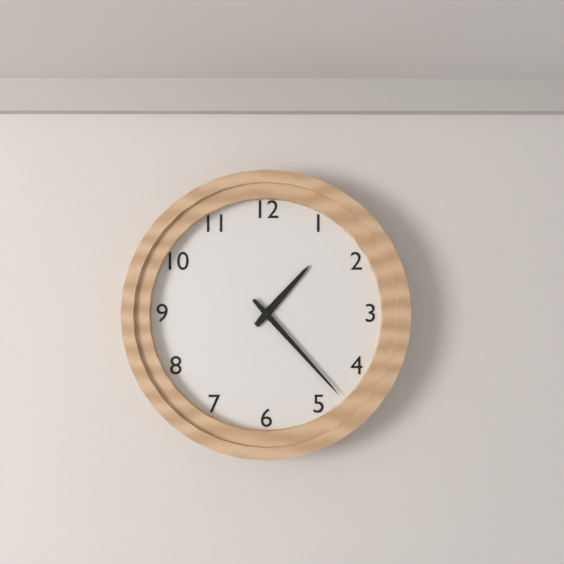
1:23
